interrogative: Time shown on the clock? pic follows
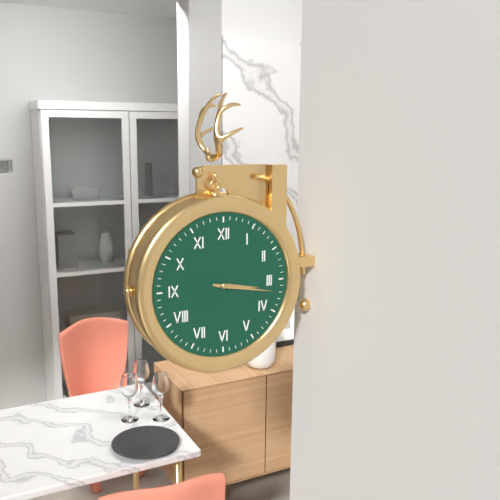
3:17
